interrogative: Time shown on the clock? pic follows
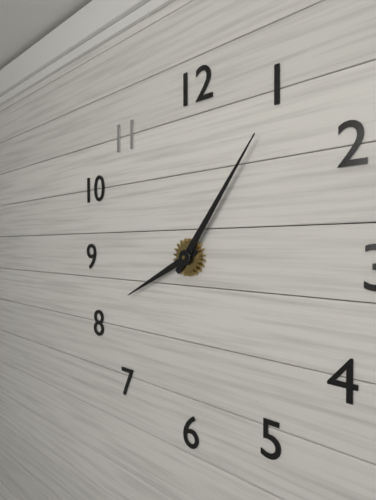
8:06
